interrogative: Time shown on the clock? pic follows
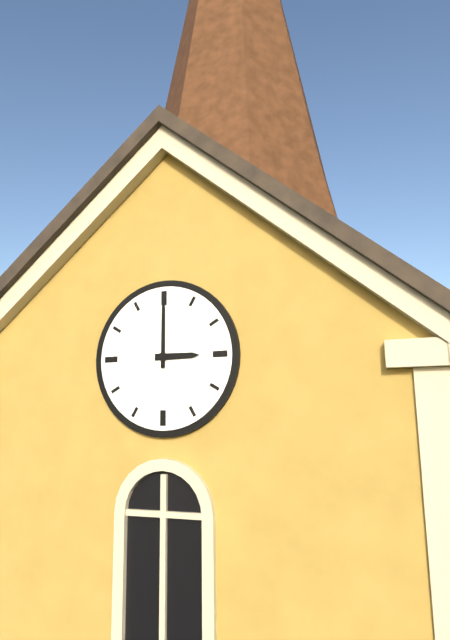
3:00
